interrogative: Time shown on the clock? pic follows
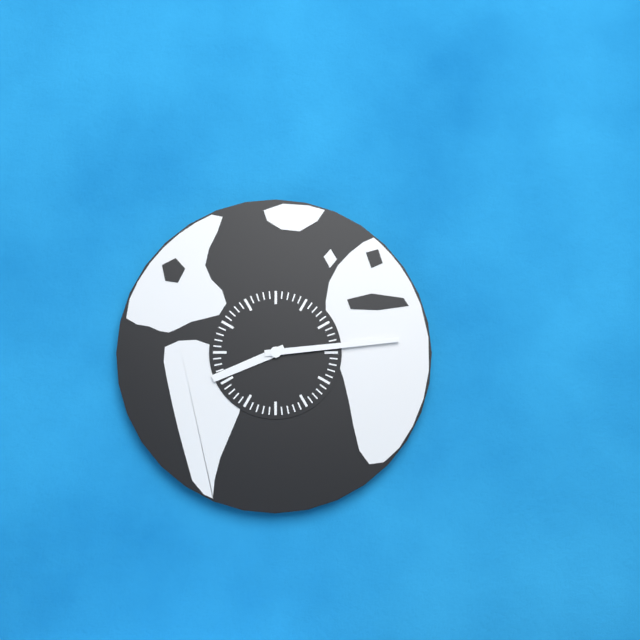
8:14
